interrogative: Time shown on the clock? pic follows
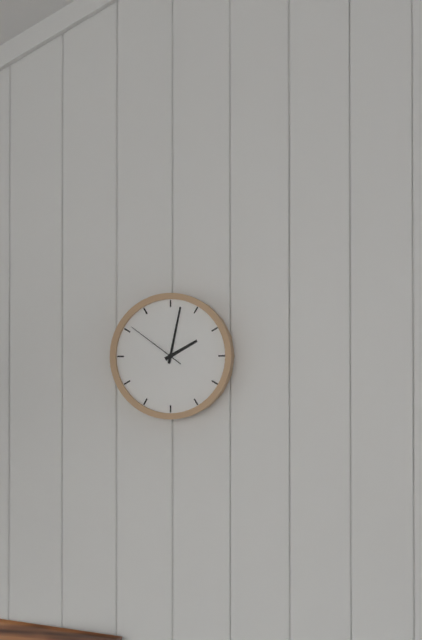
2:02:51
